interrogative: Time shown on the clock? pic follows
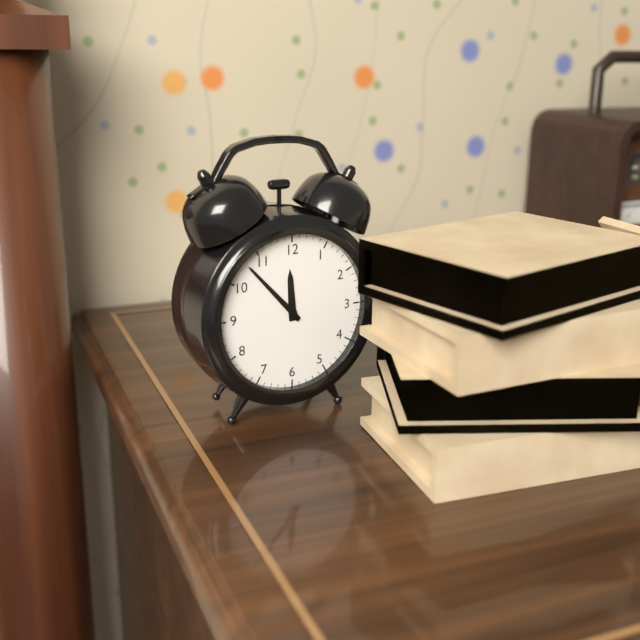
11:53
